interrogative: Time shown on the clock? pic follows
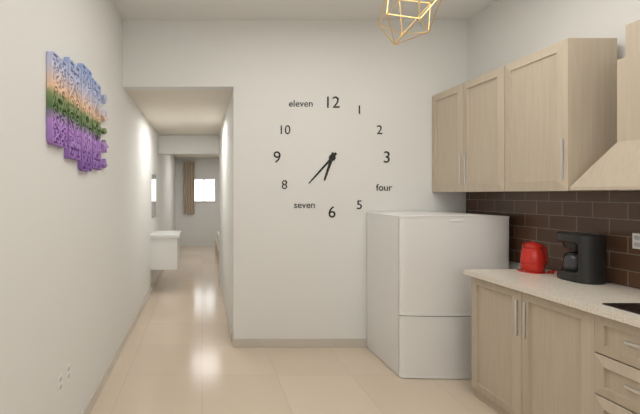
6:37
